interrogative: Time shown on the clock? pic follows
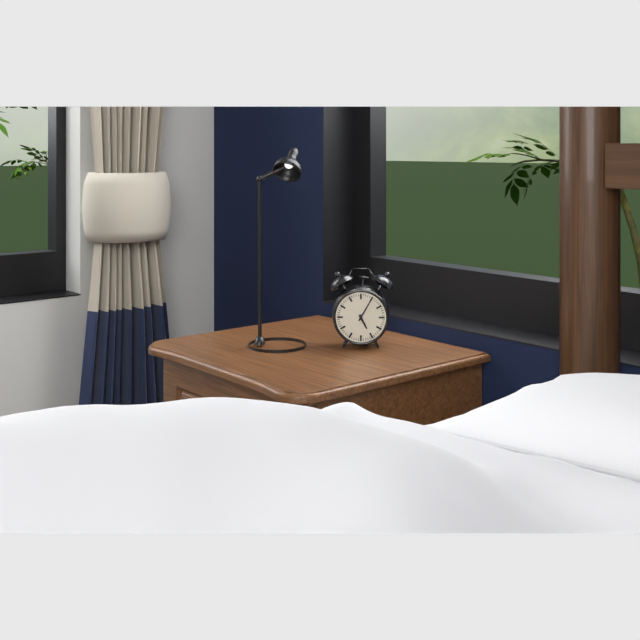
5:05
